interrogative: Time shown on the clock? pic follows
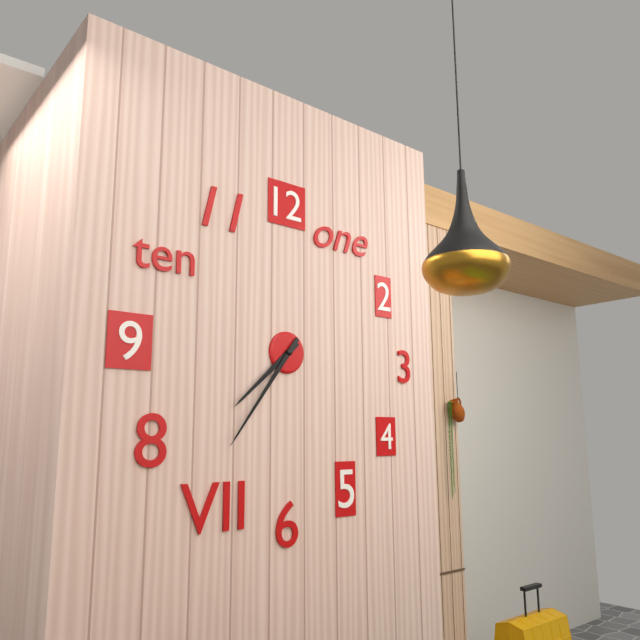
7:36
